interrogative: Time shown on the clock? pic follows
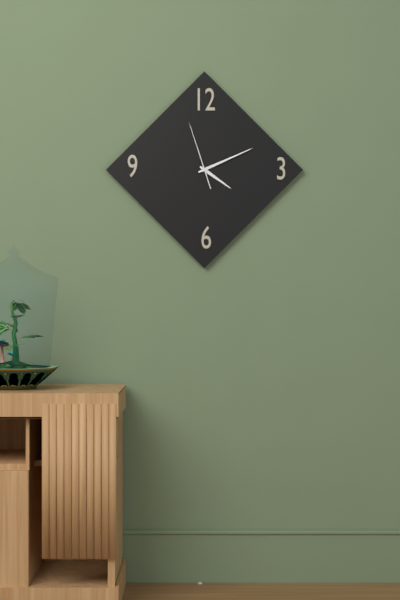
4:11:57
